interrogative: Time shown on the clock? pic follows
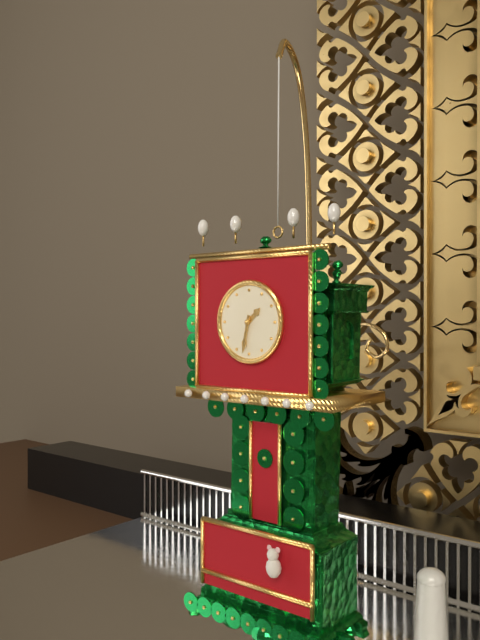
1:32
